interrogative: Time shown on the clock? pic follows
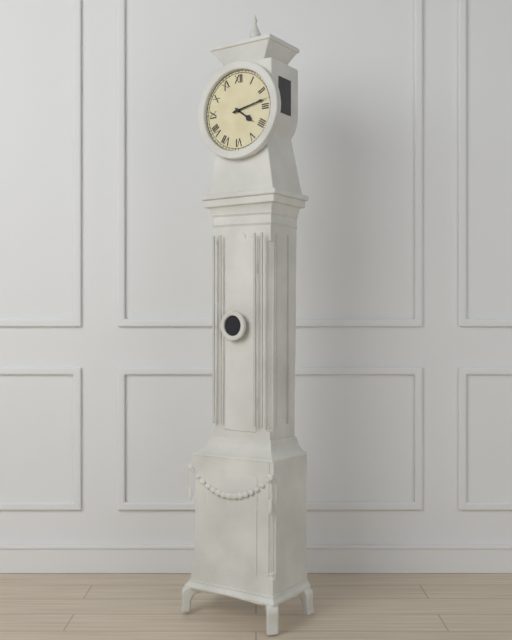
4:13
